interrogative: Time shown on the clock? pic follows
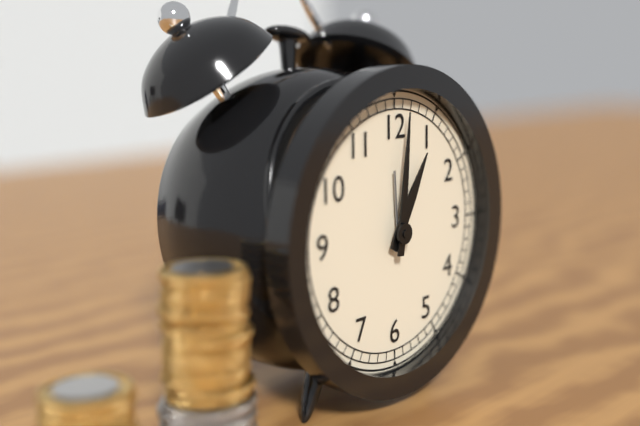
1:01
